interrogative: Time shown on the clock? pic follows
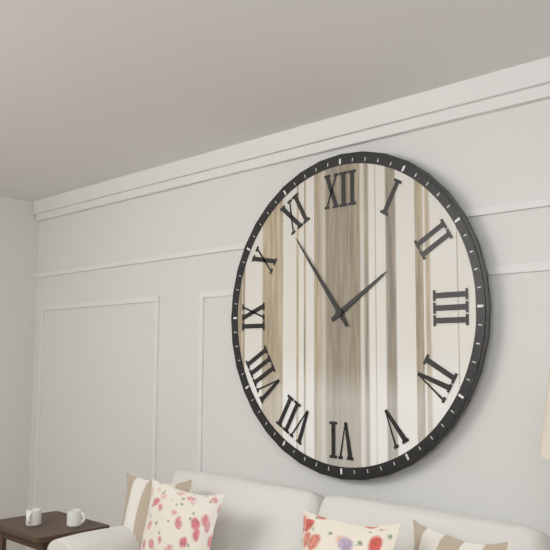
1:54
